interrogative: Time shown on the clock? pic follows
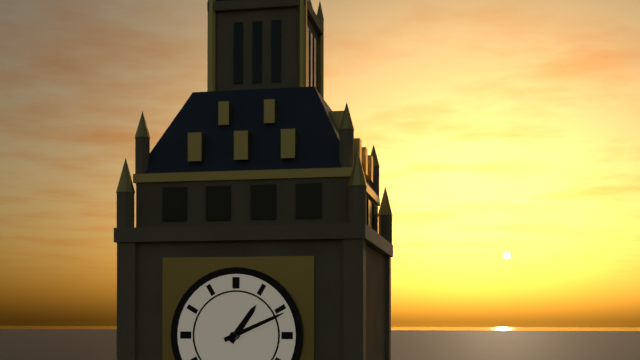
1:11
